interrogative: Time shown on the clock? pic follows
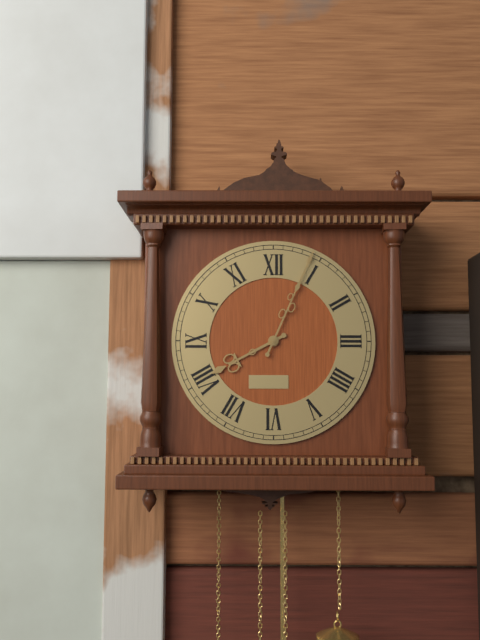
8:04
